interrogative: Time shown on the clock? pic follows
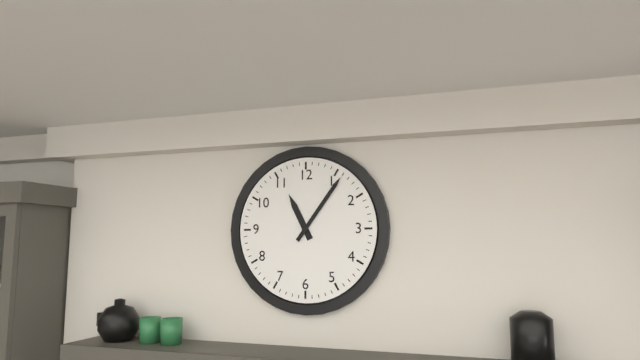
11:06
